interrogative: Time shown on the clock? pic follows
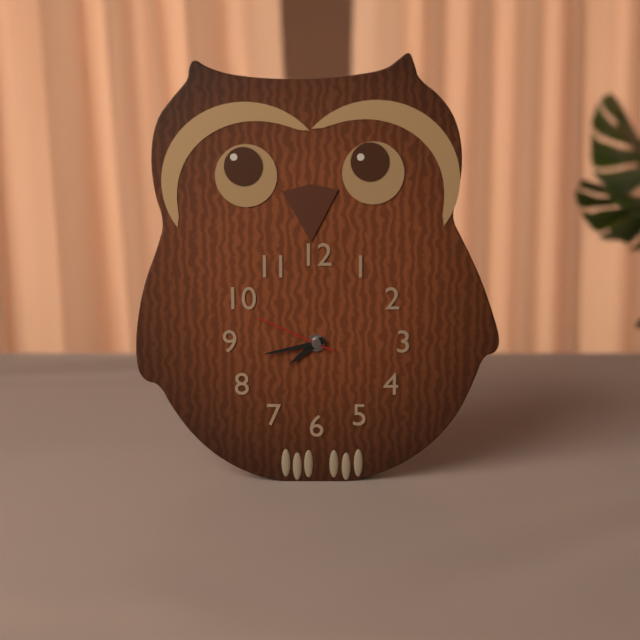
7:43:49
